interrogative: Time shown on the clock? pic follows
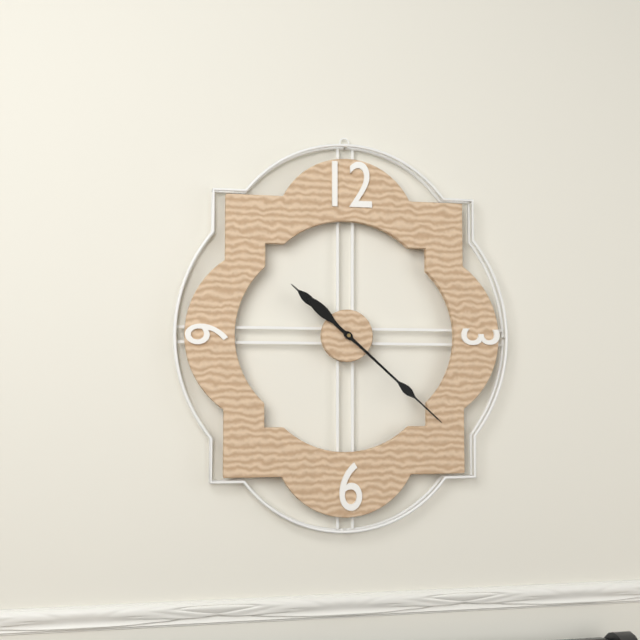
10:22
